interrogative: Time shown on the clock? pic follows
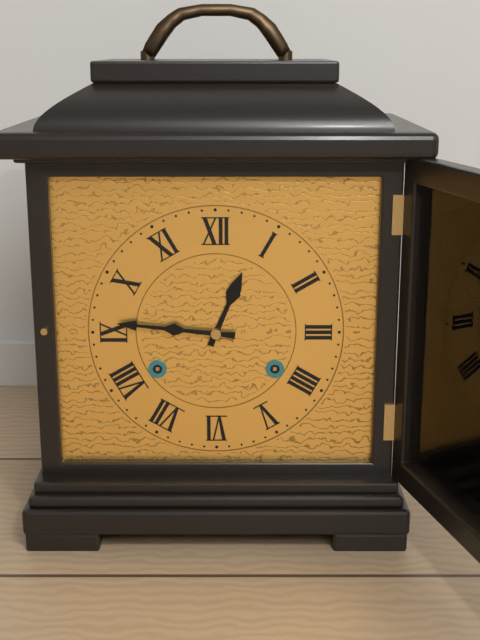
12:46
